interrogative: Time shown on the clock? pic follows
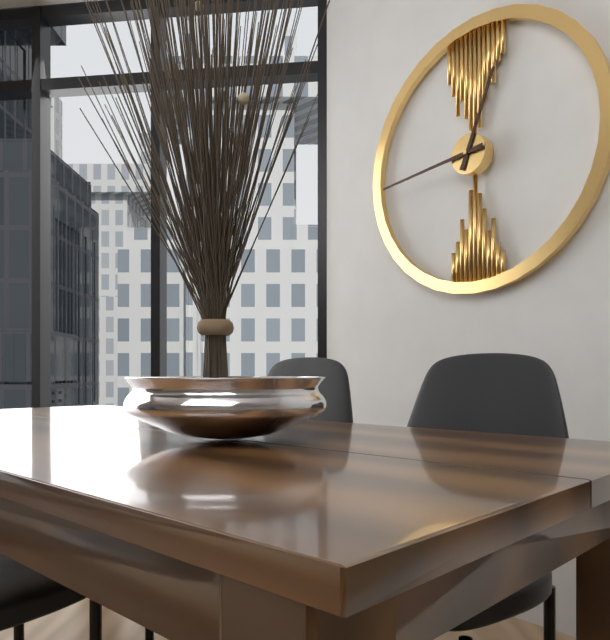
12:44
